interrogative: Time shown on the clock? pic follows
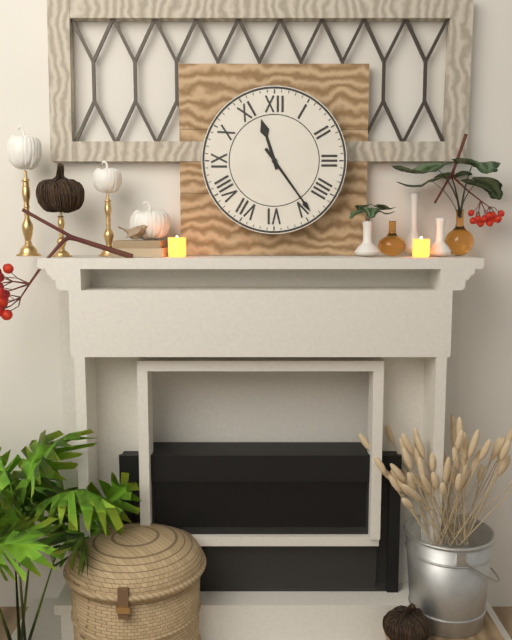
11:24
